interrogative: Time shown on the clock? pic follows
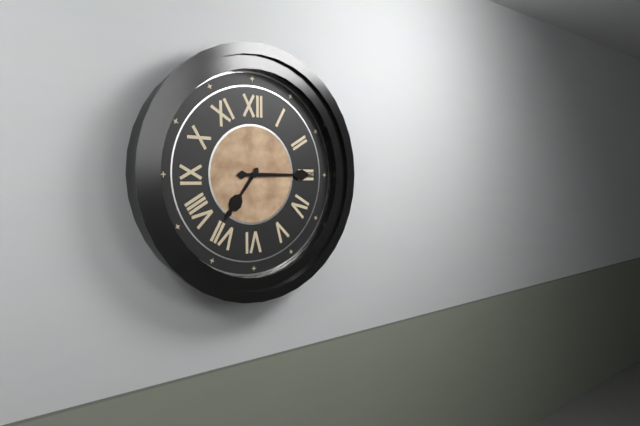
7:15
